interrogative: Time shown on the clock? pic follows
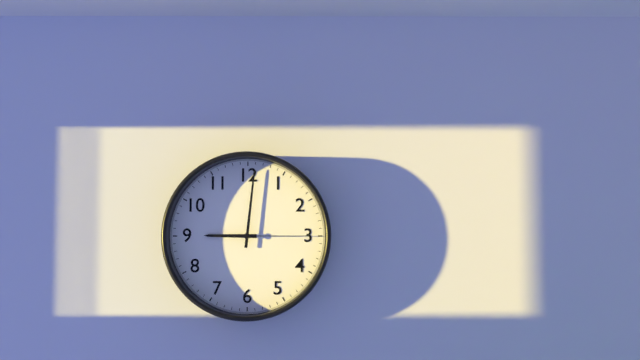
9:01:15
